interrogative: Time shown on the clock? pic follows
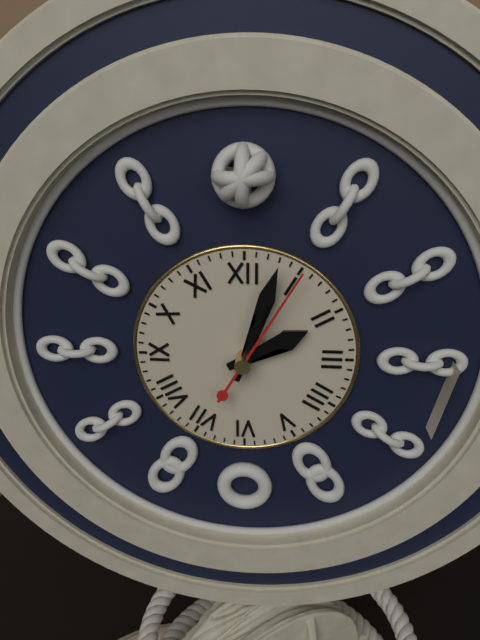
2:03:05
